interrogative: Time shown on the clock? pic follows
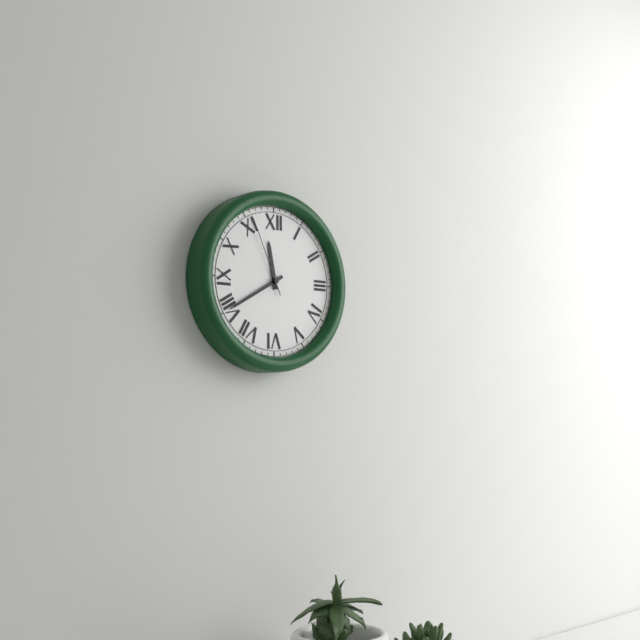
11:40:56
